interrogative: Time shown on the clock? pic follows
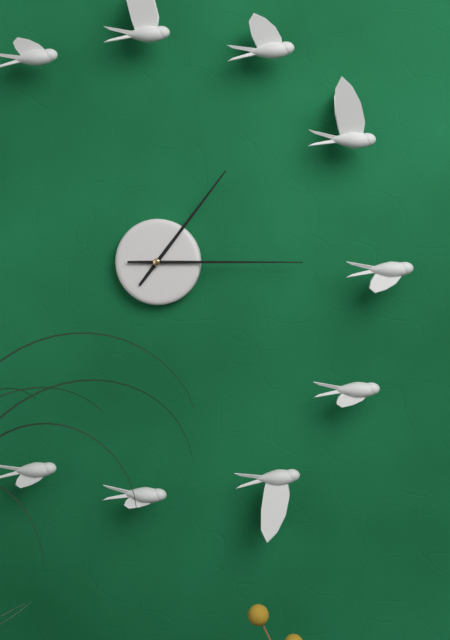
1:15
